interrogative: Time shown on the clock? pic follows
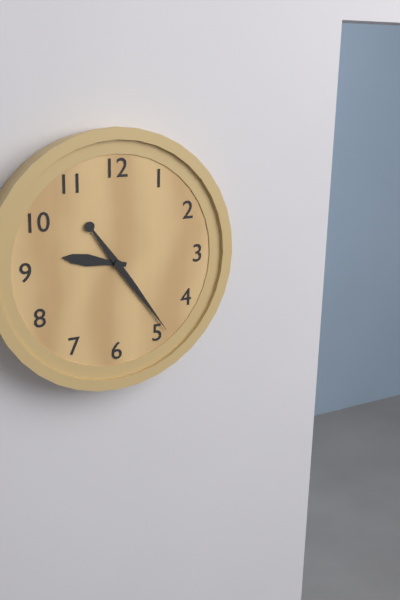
9:24
